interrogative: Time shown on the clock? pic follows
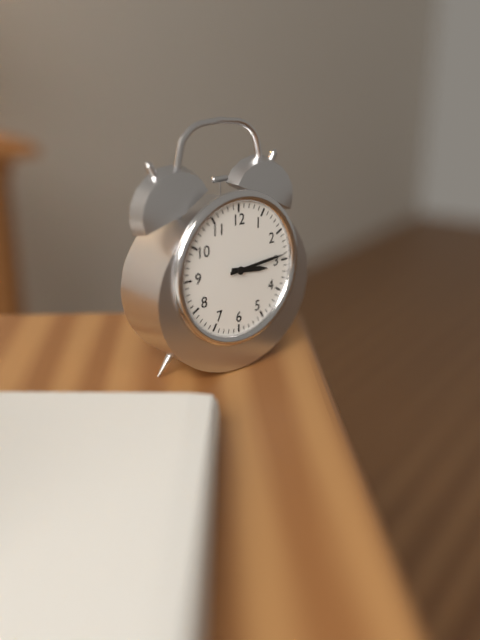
3:14
